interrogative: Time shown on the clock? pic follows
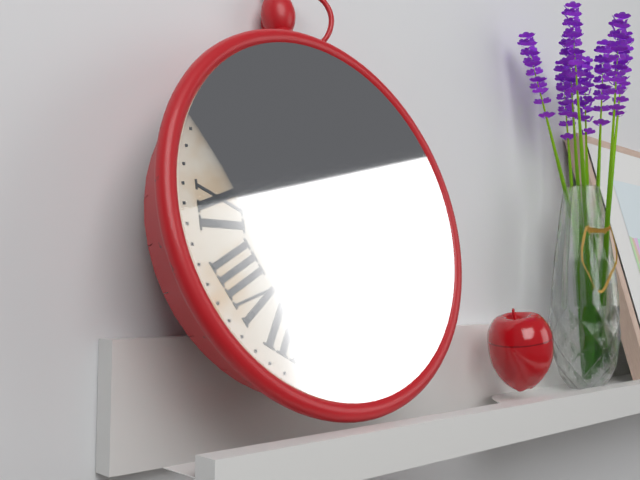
4:26
